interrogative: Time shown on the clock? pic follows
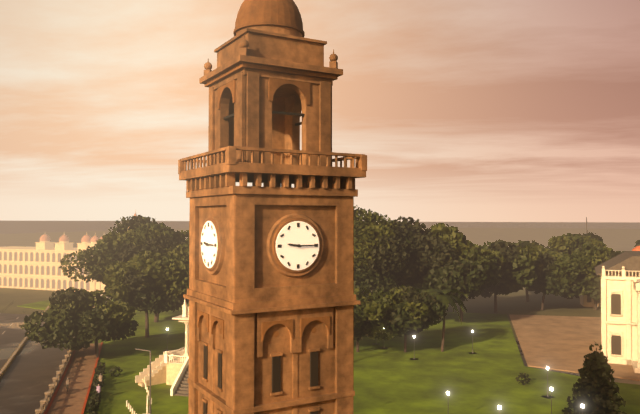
9:15
